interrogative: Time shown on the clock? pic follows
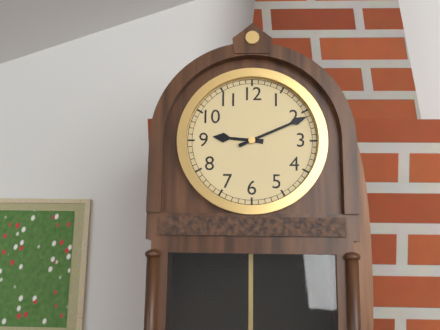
9:11
